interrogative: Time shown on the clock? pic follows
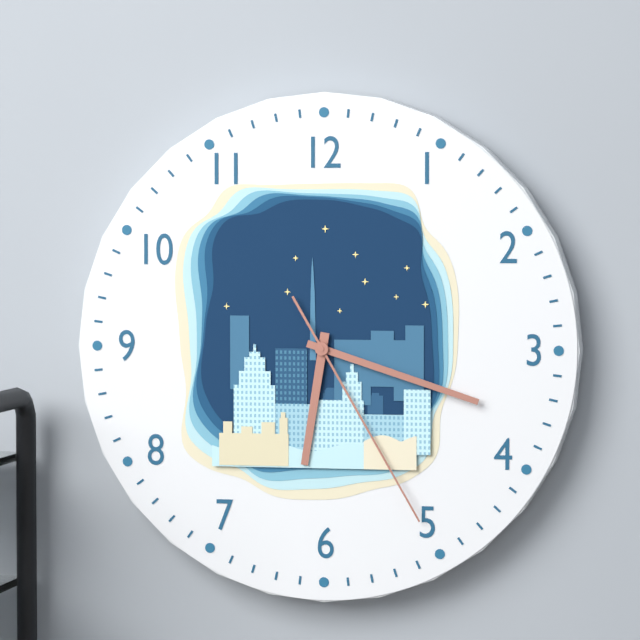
6:18:25
